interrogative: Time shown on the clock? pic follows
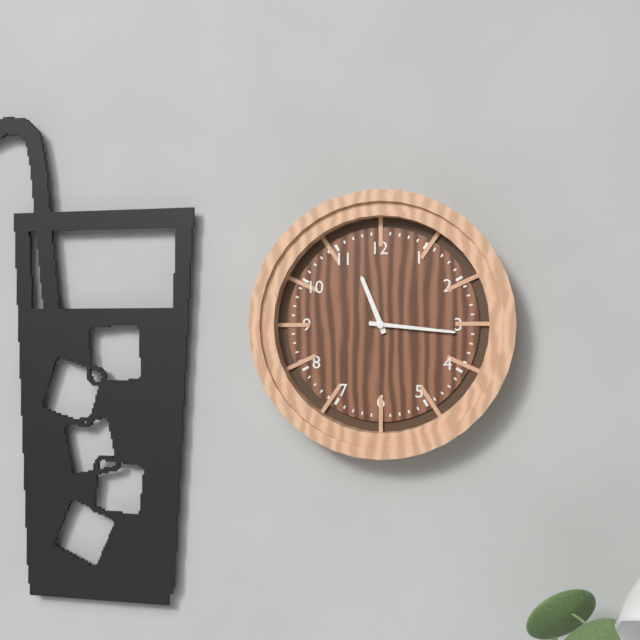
11:16
